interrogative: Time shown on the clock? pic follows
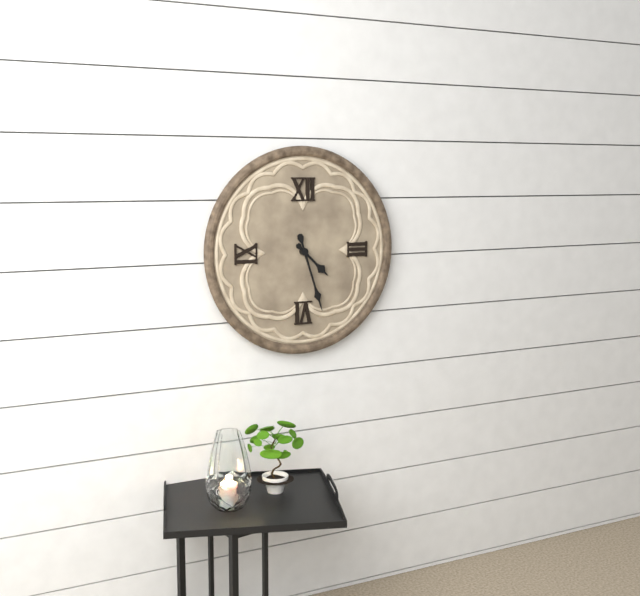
4:27
